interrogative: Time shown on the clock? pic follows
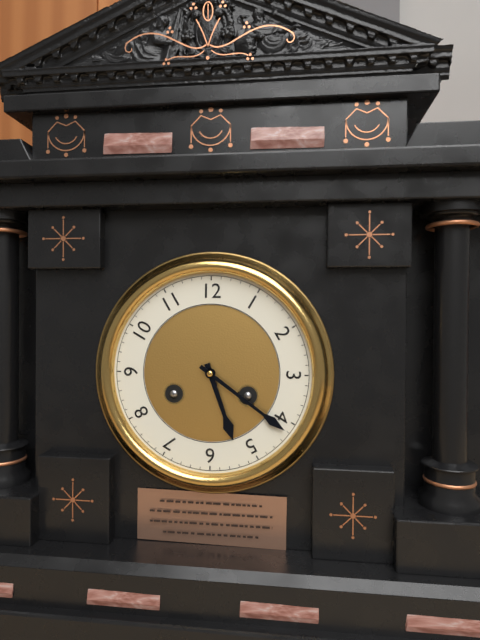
5:21
